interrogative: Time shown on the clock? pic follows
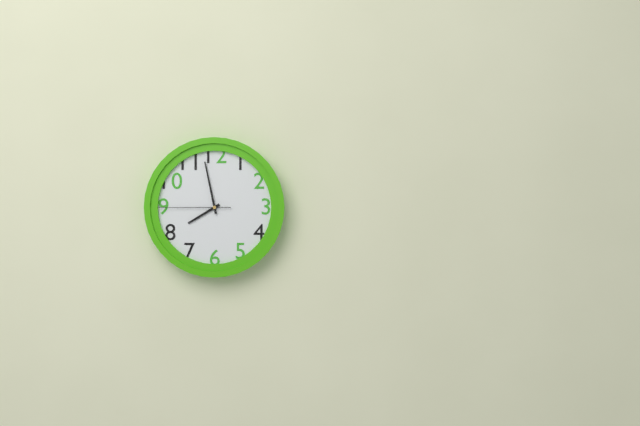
7:58:45
